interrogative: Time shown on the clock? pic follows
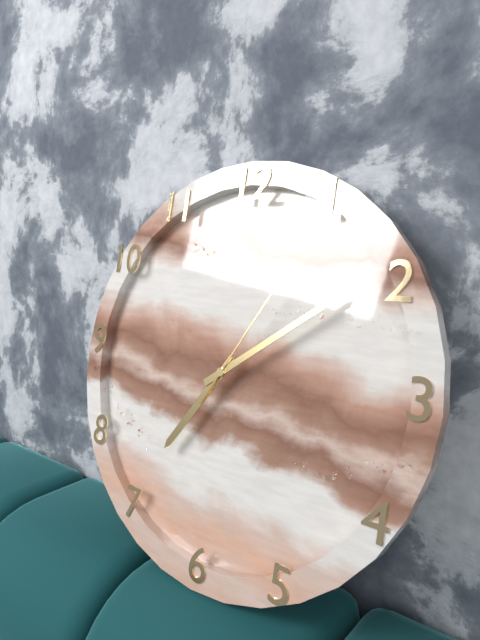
7:09:05
